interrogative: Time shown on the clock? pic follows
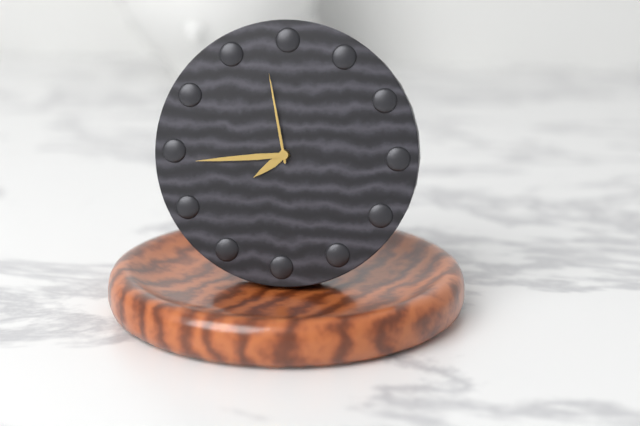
7:44:58
